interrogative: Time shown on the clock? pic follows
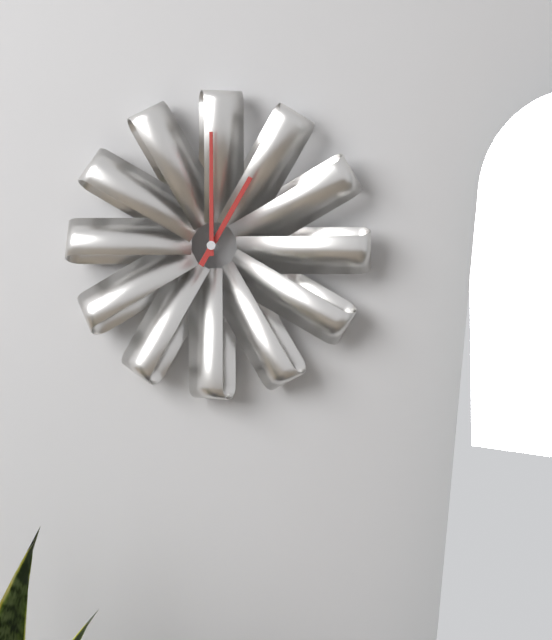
1:00
